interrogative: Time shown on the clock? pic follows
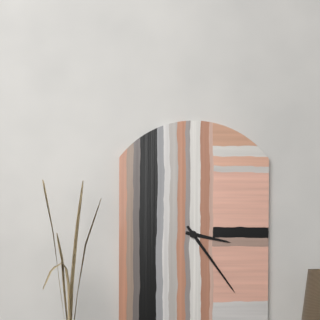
3:24
